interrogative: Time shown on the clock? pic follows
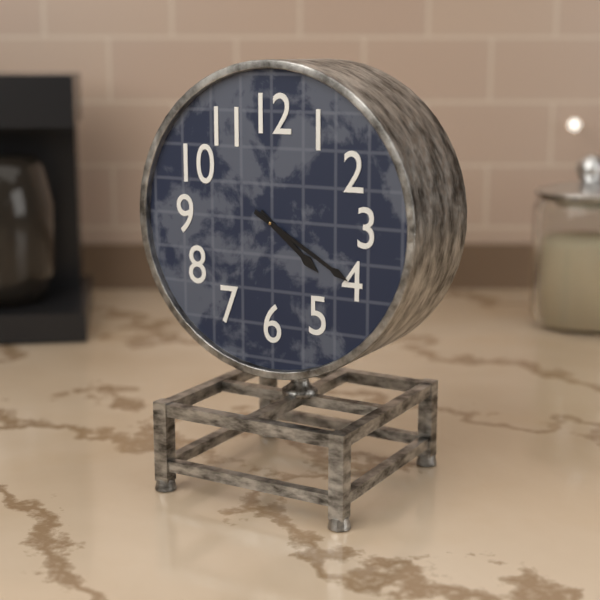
4:20
